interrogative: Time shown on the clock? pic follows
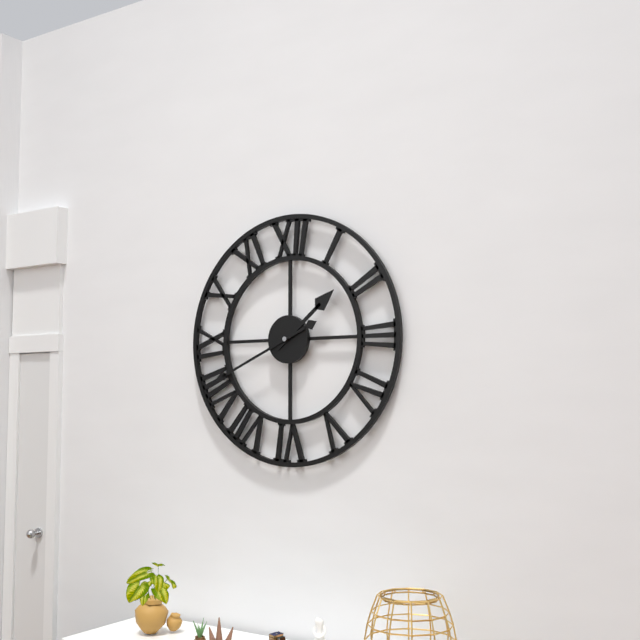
1:41
